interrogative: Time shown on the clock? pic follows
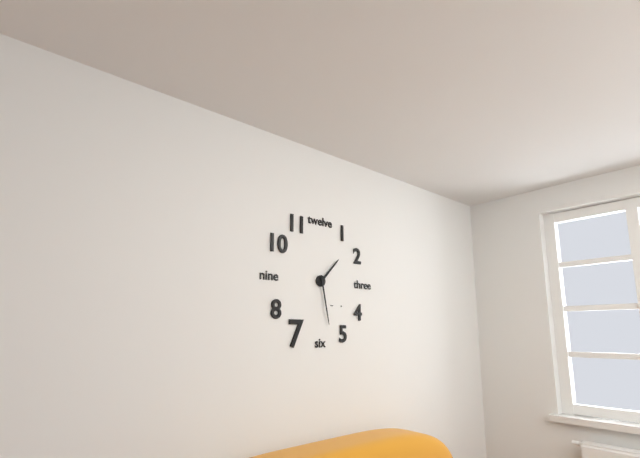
1:28
